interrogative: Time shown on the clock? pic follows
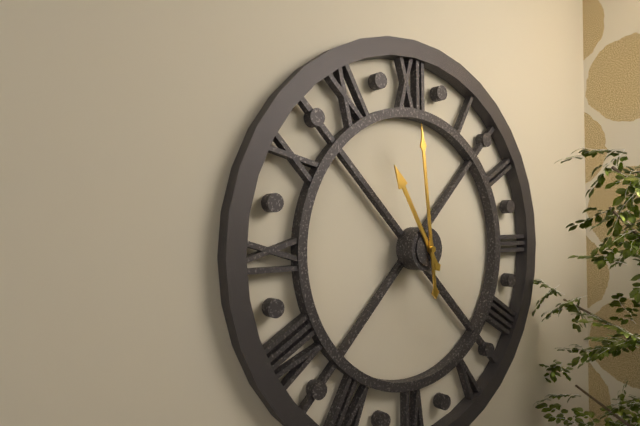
10:59
